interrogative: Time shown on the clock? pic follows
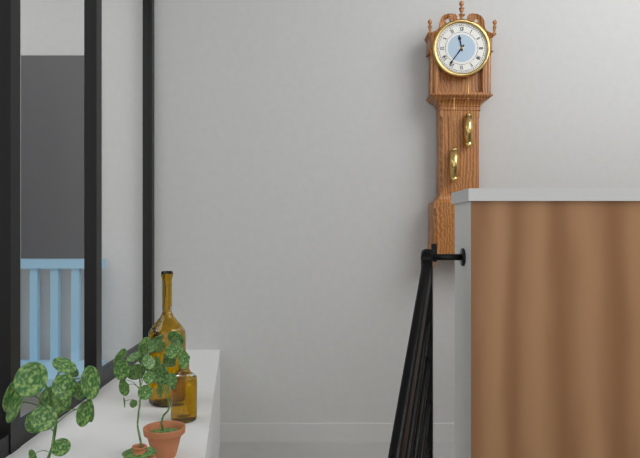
11:36
